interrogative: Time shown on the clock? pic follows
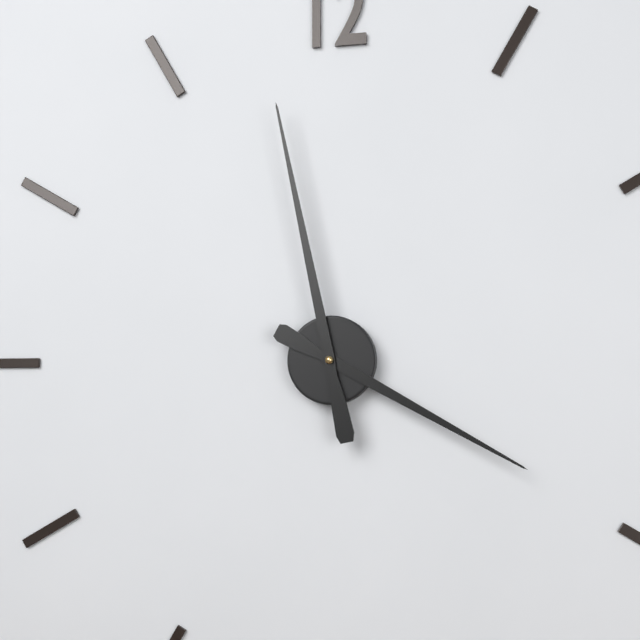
3:58
